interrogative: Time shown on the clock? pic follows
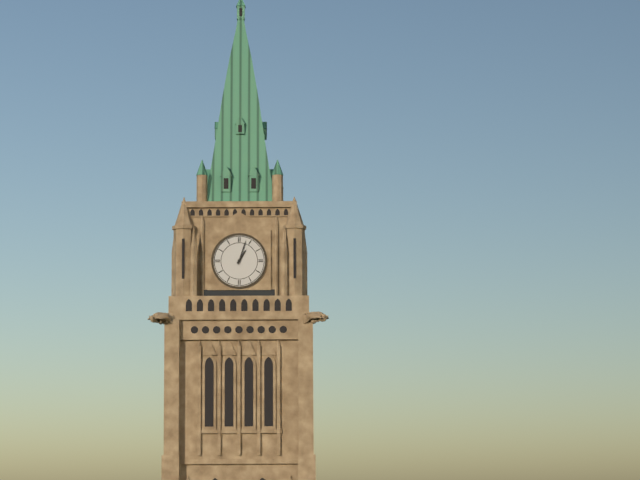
1:03
